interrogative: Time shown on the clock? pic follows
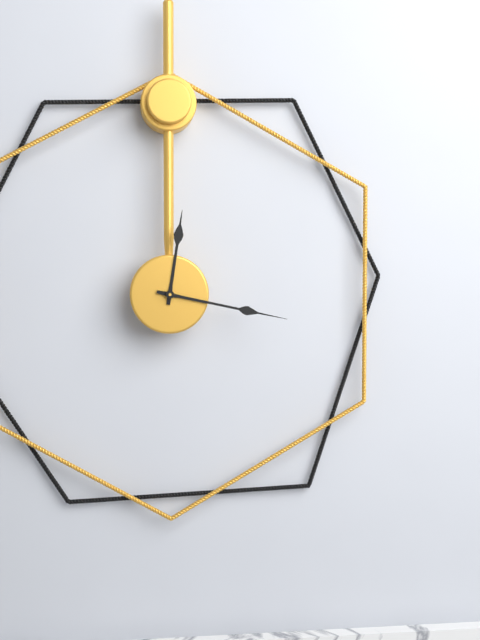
12:17
